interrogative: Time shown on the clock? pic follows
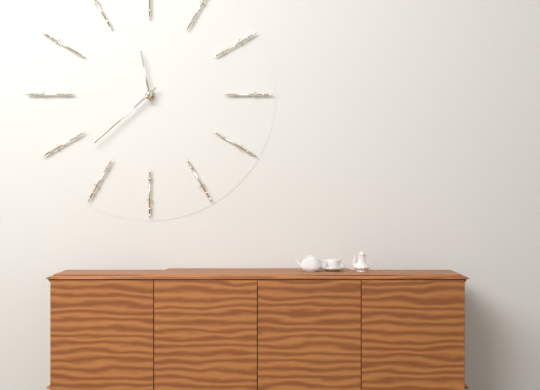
11:38
